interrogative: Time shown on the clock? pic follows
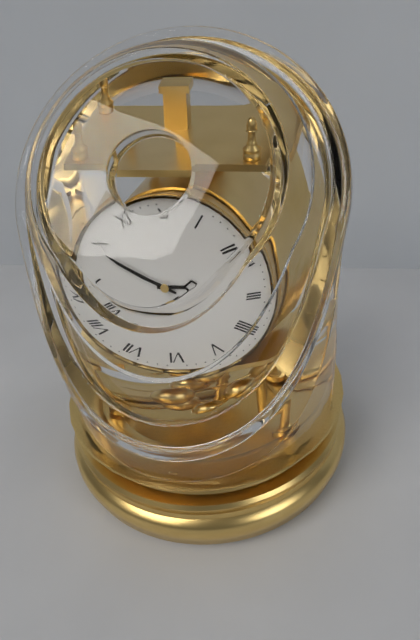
2:49
